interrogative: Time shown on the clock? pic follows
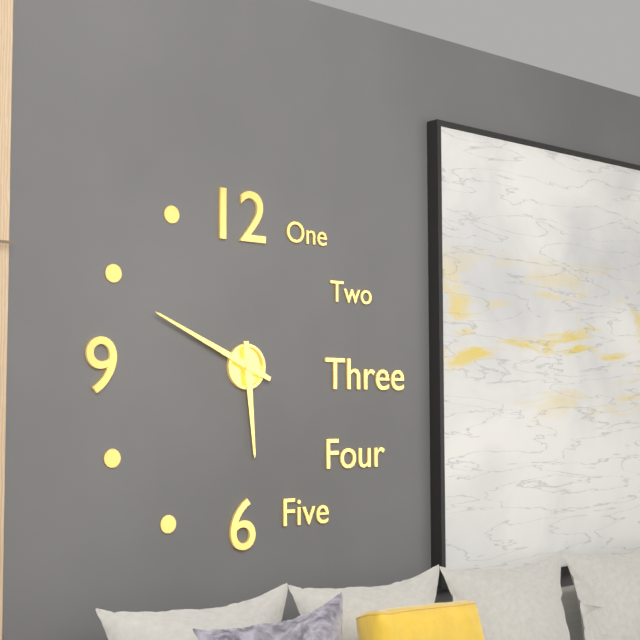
5:49
